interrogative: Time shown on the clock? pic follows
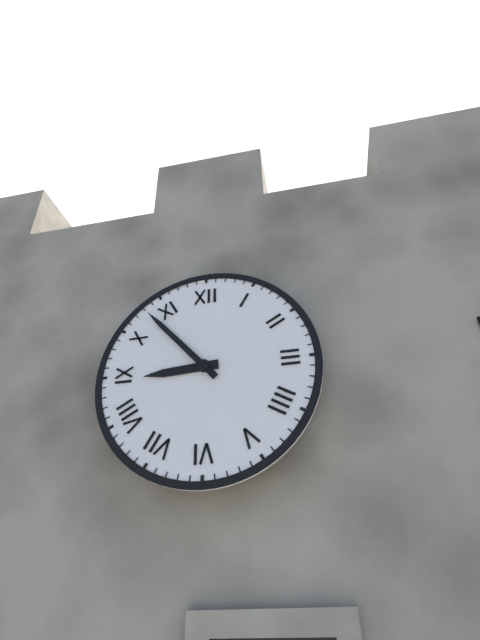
8:53
